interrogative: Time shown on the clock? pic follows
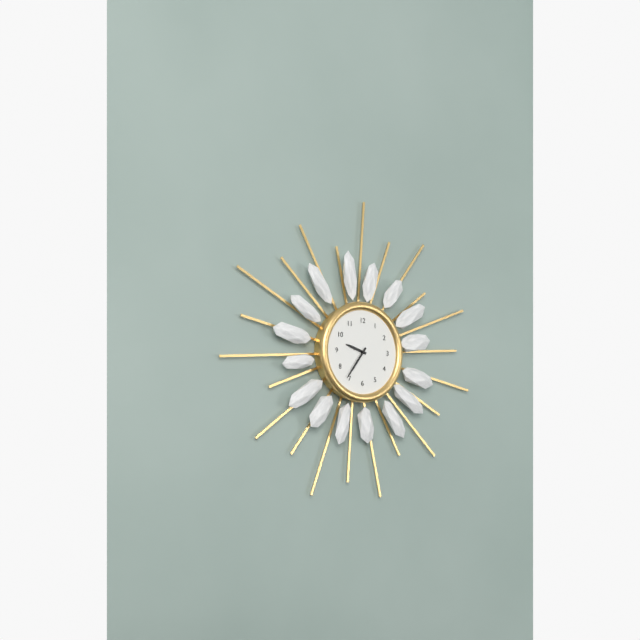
9:36
